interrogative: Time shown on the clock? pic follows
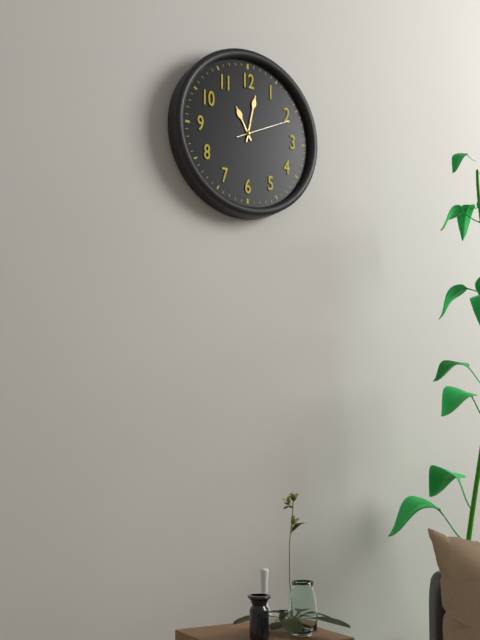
11:02:11
